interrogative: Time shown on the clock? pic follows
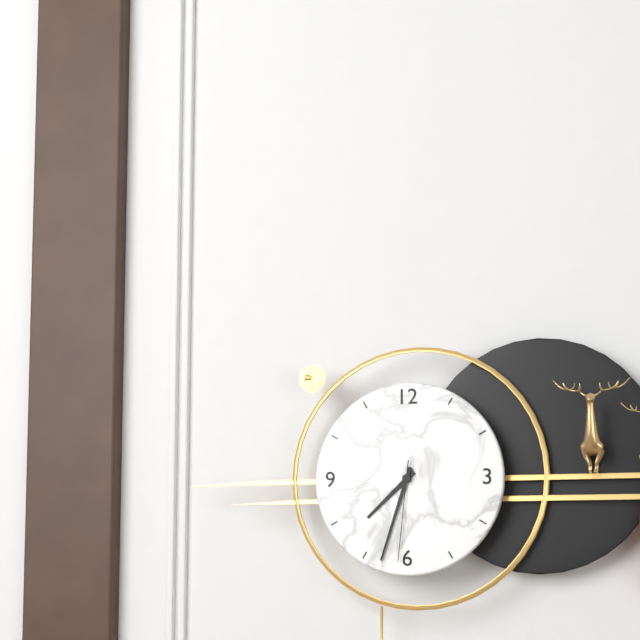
7:33:31
